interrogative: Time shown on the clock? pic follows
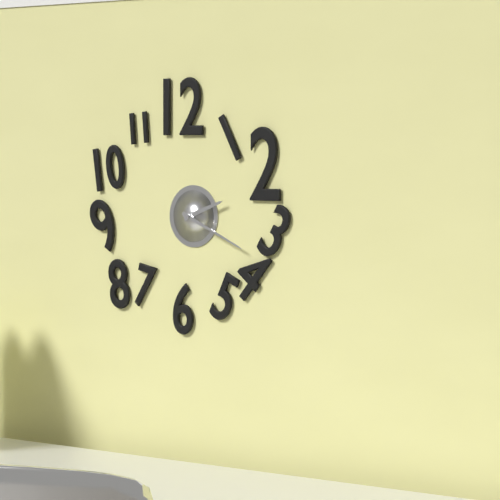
2:19
